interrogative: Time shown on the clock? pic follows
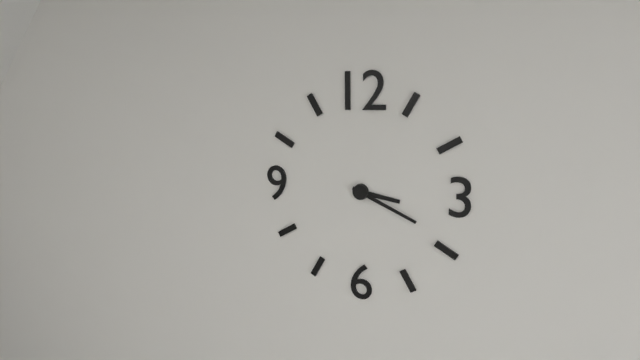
3:19
